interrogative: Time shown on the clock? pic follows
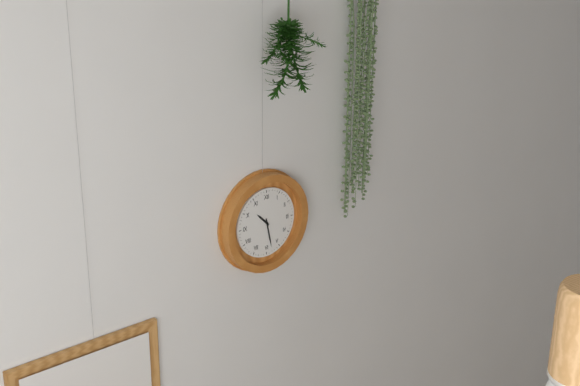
10:28
